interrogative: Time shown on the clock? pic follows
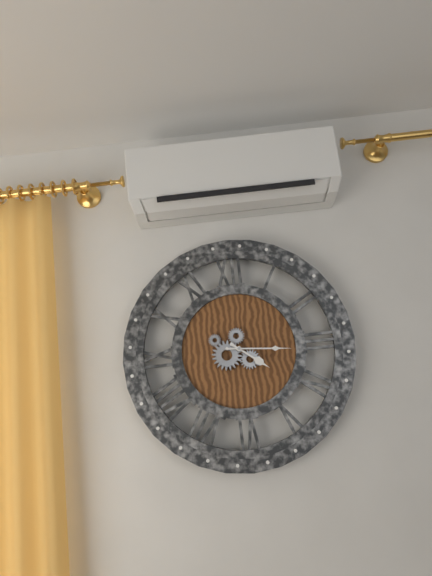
4:16
